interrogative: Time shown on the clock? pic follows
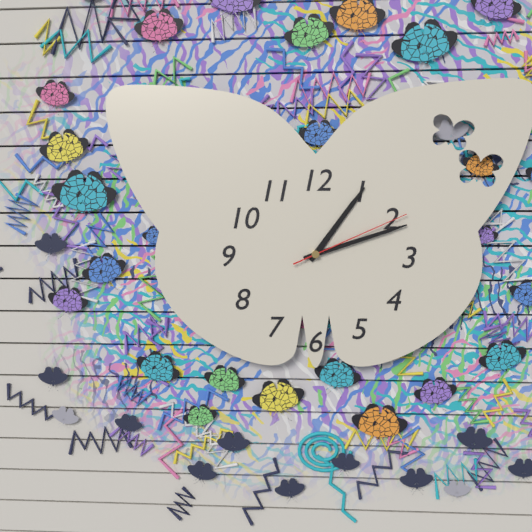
1:12:11
